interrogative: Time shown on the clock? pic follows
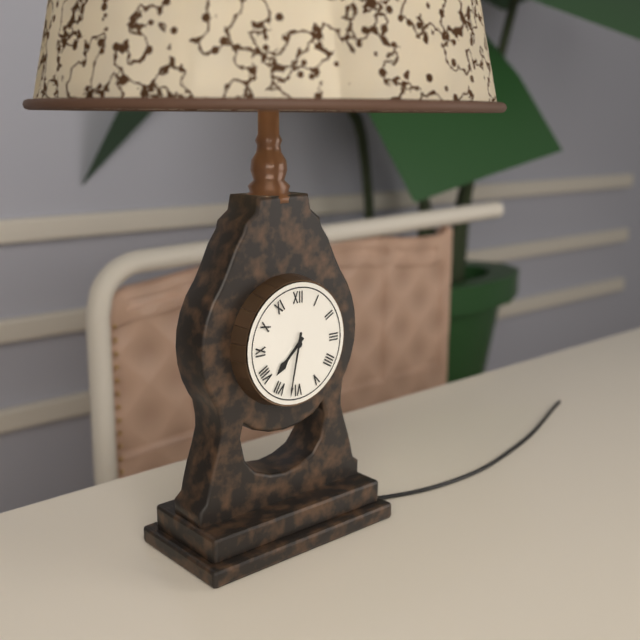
7:32
